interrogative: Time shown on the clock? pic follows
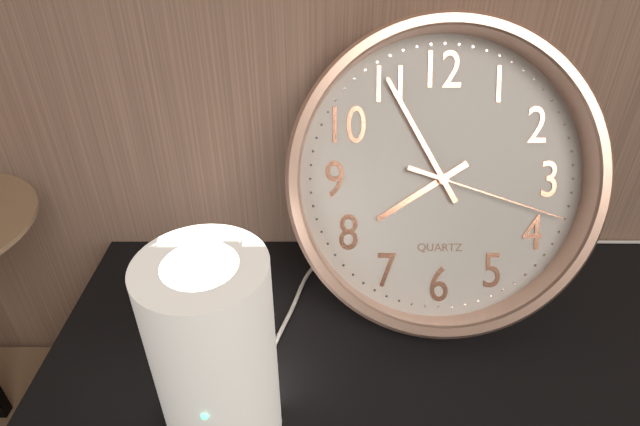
7:55:18
